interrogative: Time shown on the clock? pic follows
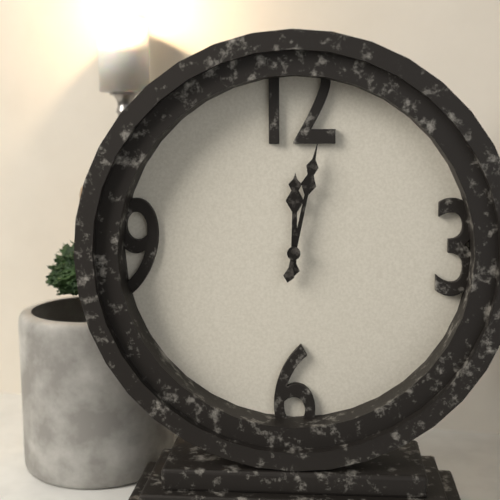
12:02
